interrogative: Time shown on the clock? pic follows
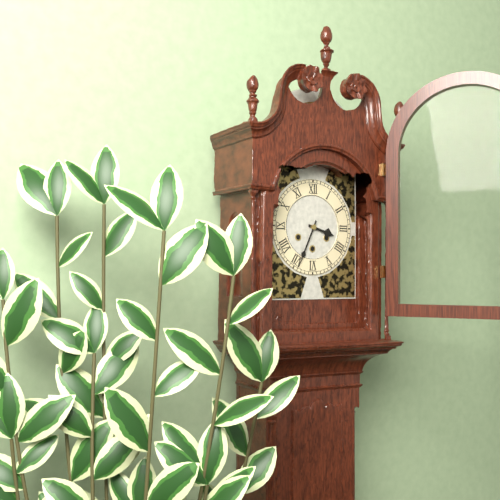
3:34
